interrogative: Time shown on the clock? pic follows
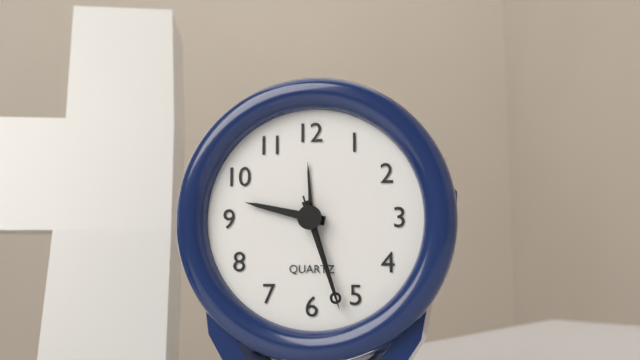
9:27:27
